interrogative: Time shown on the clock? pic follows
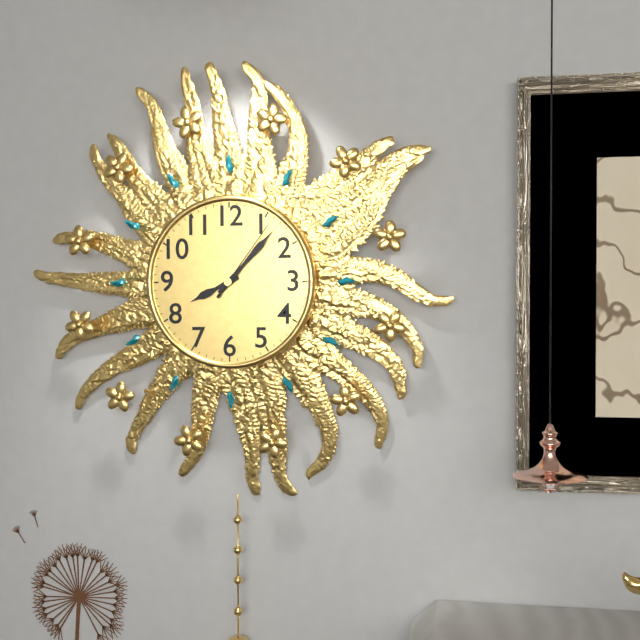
8:07:06
